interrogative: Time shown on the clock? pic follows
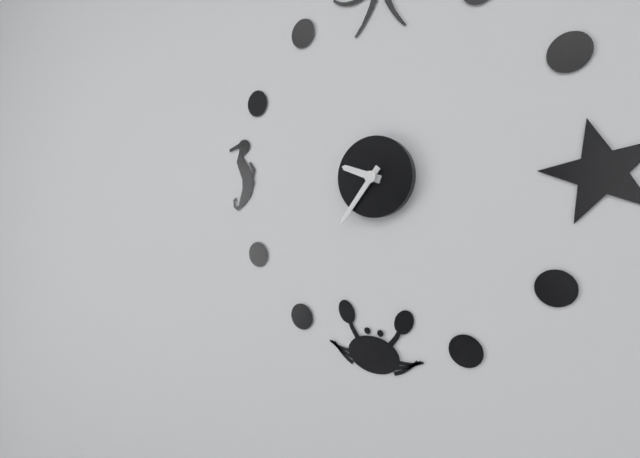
9:36
